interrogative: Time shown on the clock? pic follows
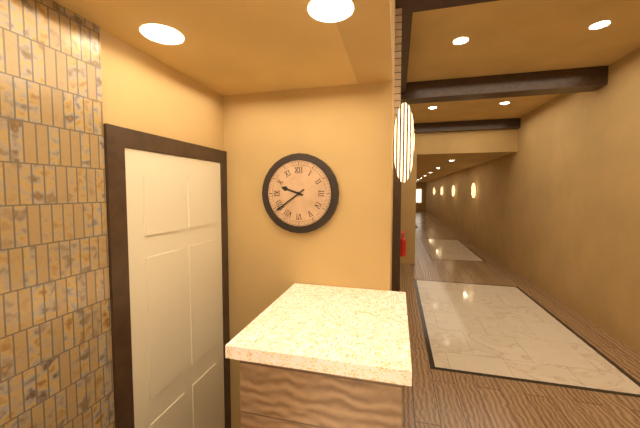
9:39
